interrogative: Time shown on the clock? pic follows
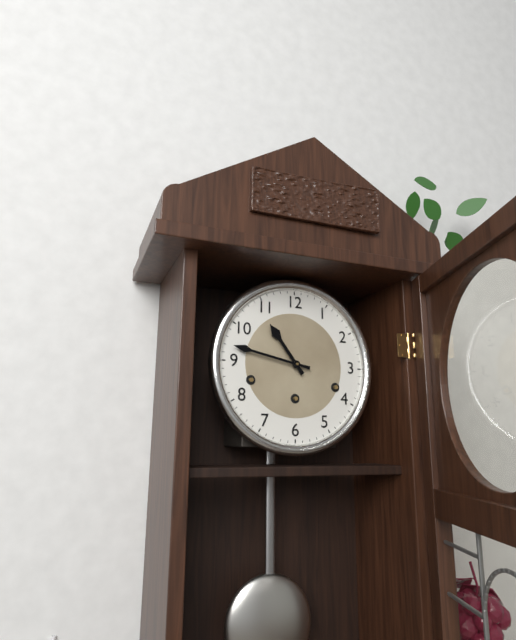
10:47
